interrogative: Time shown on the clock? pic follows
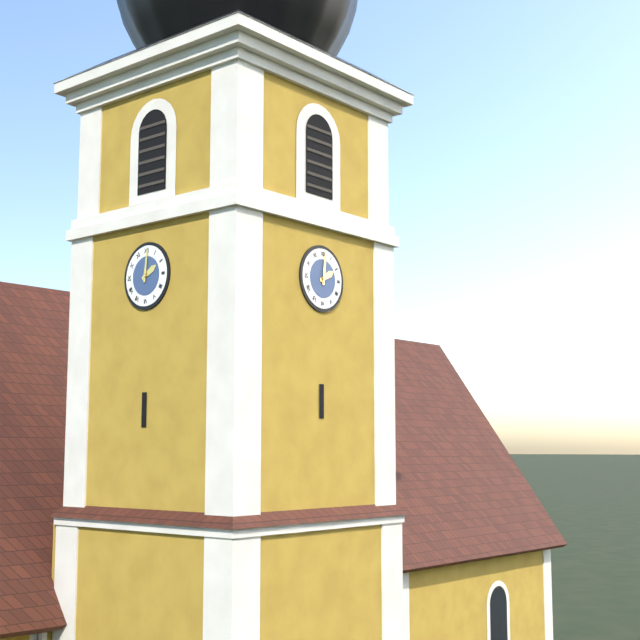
2:01
